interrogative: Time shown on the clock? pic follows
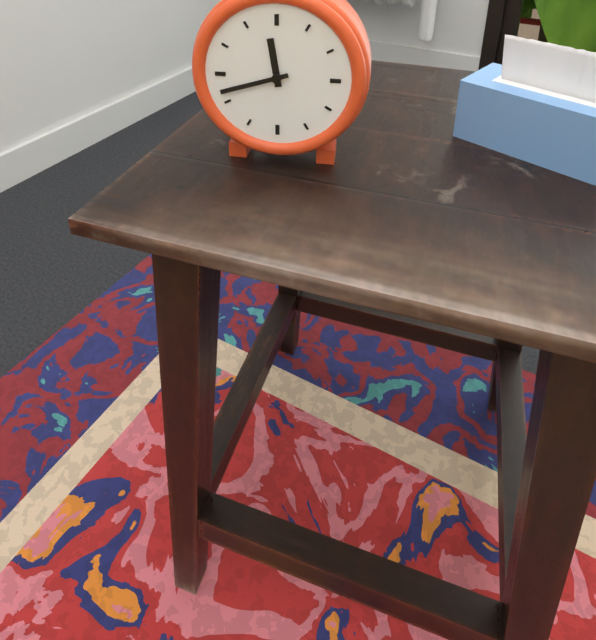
11:42
